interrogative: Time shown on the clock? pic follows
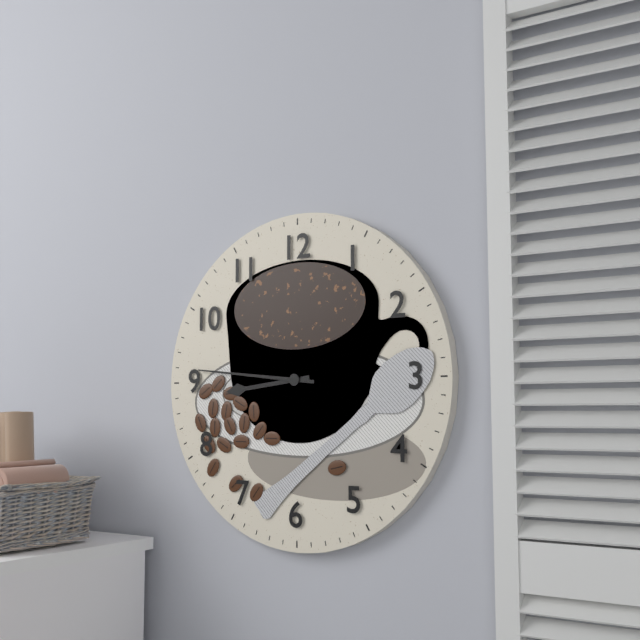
8:46
